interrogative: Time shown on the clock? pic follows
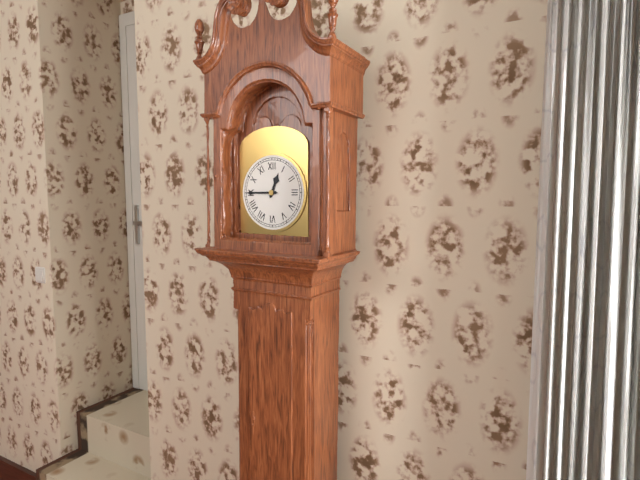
12:45
